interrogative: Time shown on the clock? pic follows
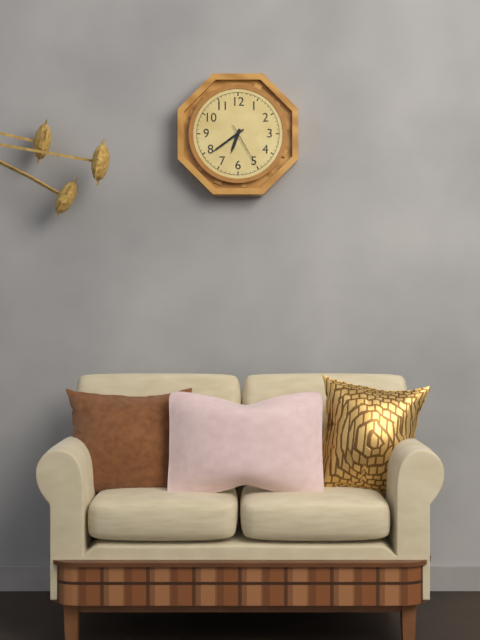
6:39
